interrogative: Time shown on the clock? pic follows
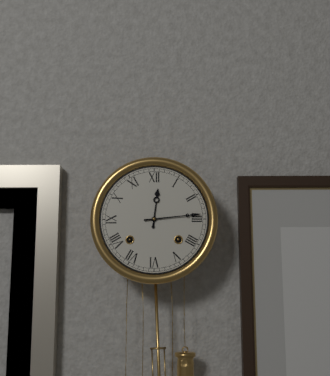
12:14
